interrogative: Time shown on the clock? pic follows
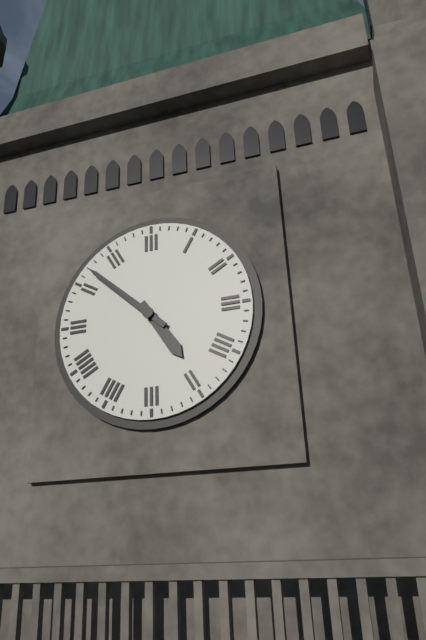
4:52
